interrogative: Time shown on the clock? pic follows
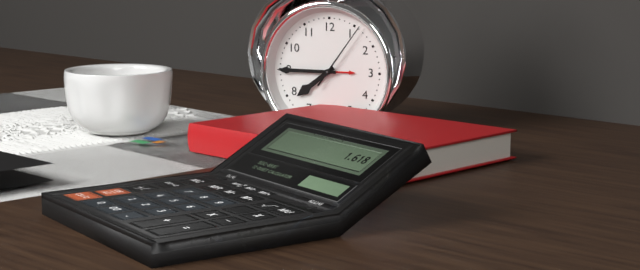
7:45:06
